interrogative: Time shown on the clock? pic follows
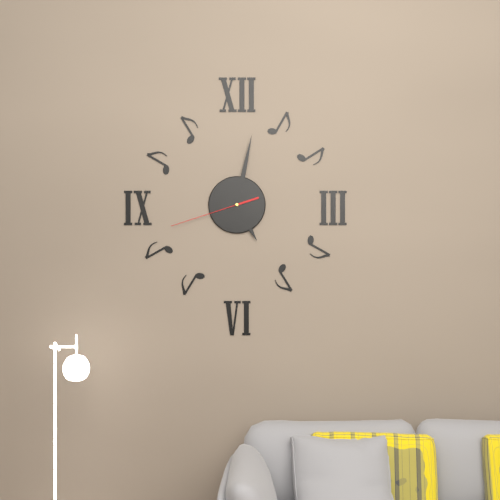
5:02:42
